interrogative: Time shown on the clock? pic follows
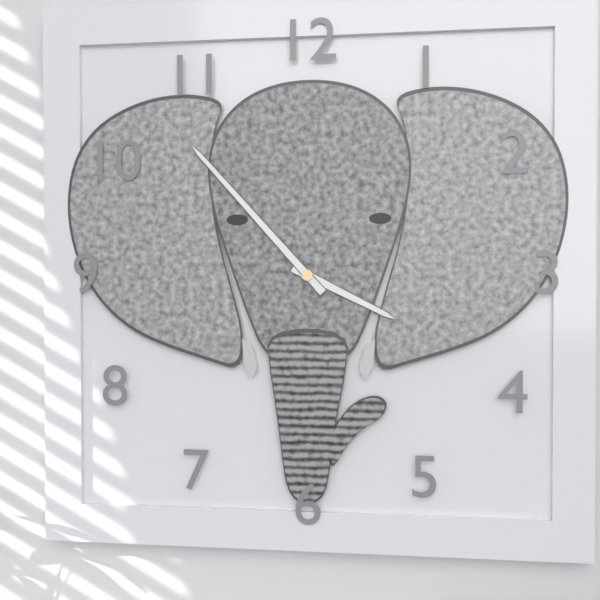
3:53
